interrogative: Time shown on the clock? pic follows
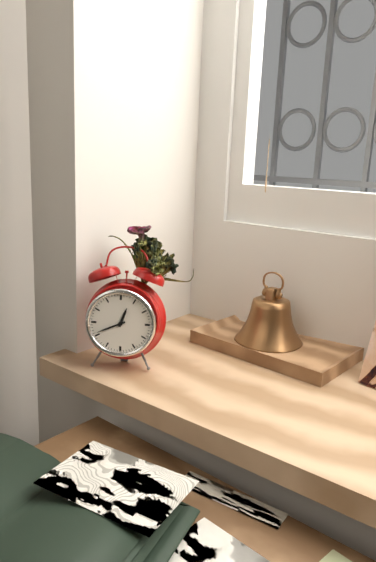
12:41
